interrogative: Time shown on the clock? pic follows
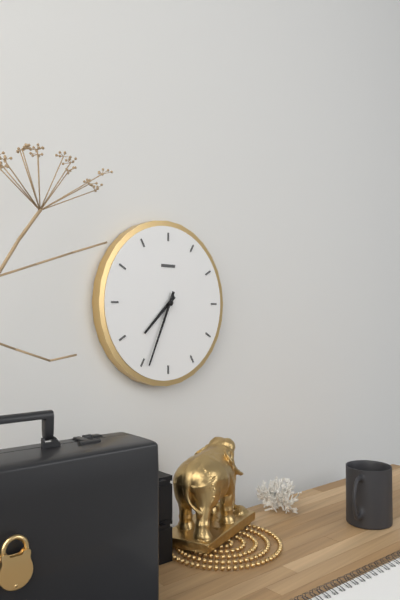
7:34
